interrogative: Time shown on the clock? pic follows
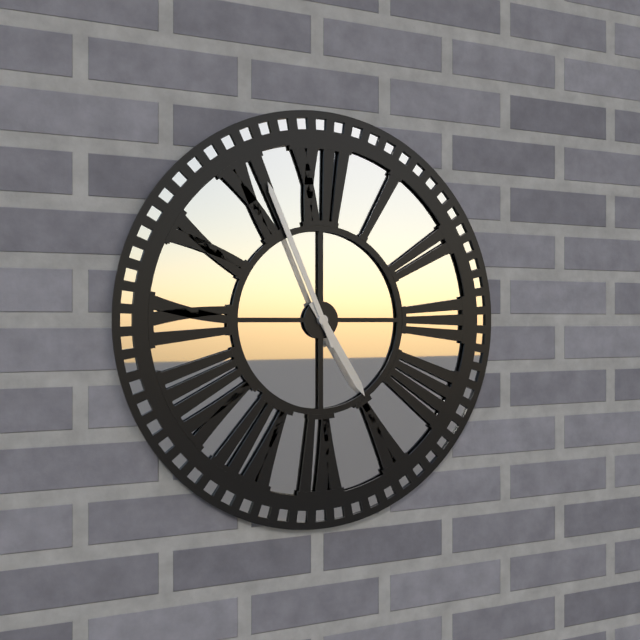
4:56
